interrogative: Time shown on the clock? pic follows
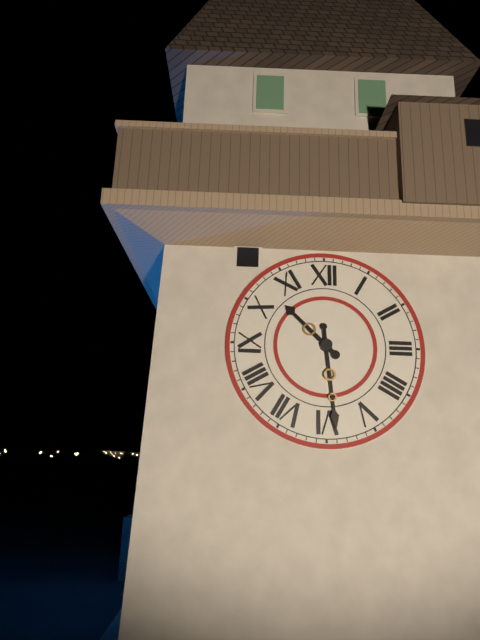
10:29
